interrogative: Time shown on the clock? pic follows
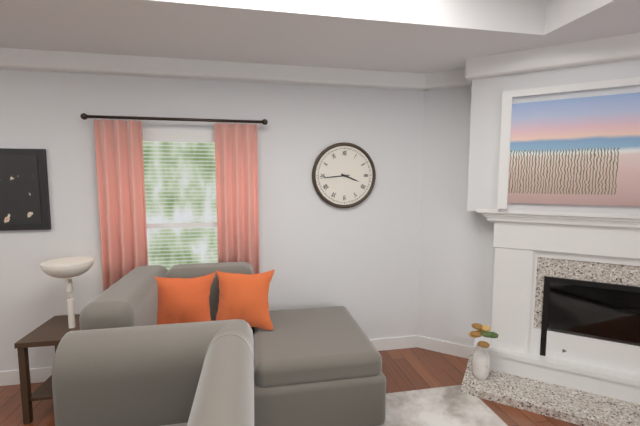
3:44
